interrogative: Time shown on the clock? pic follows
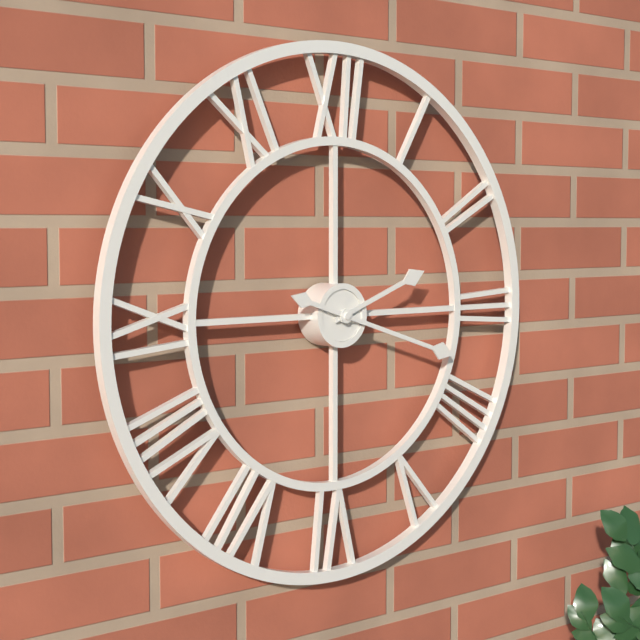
2:18
